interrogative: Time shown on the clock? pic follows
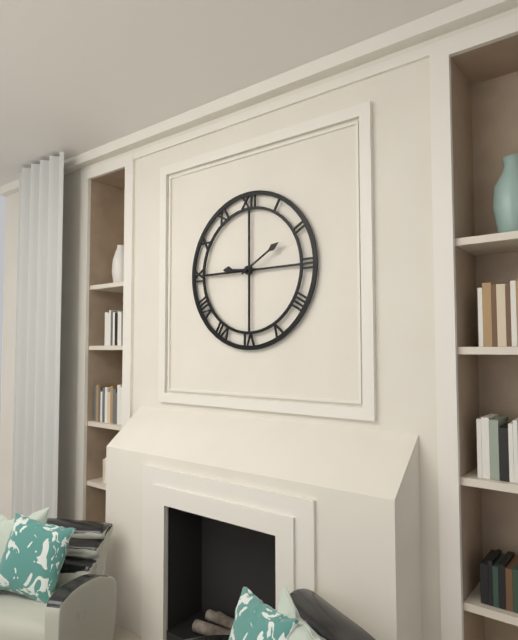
9:10:45
